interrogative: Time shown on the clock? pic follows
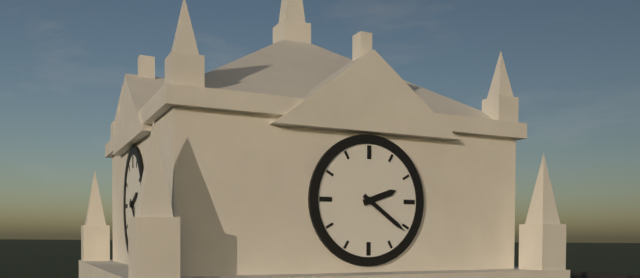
2:21
